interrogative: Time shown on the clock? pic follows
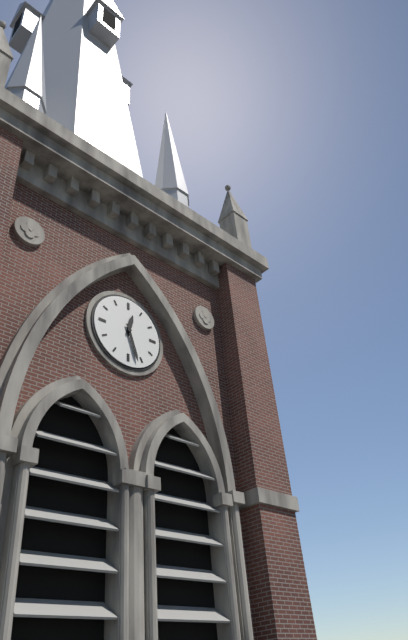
12:27
